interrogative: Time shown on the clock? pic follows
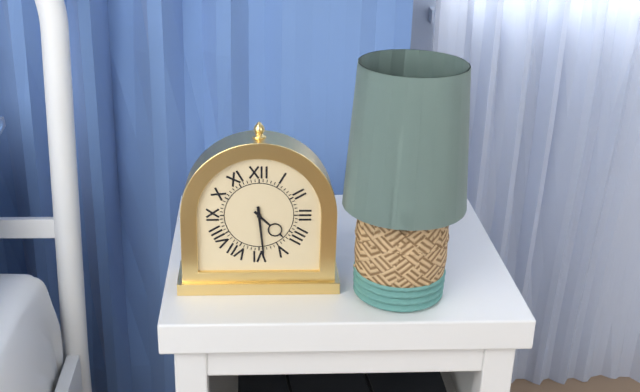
4:29
